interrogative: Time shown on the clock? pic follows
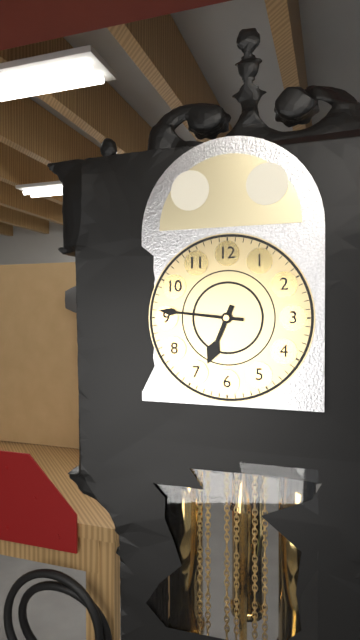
6:46
